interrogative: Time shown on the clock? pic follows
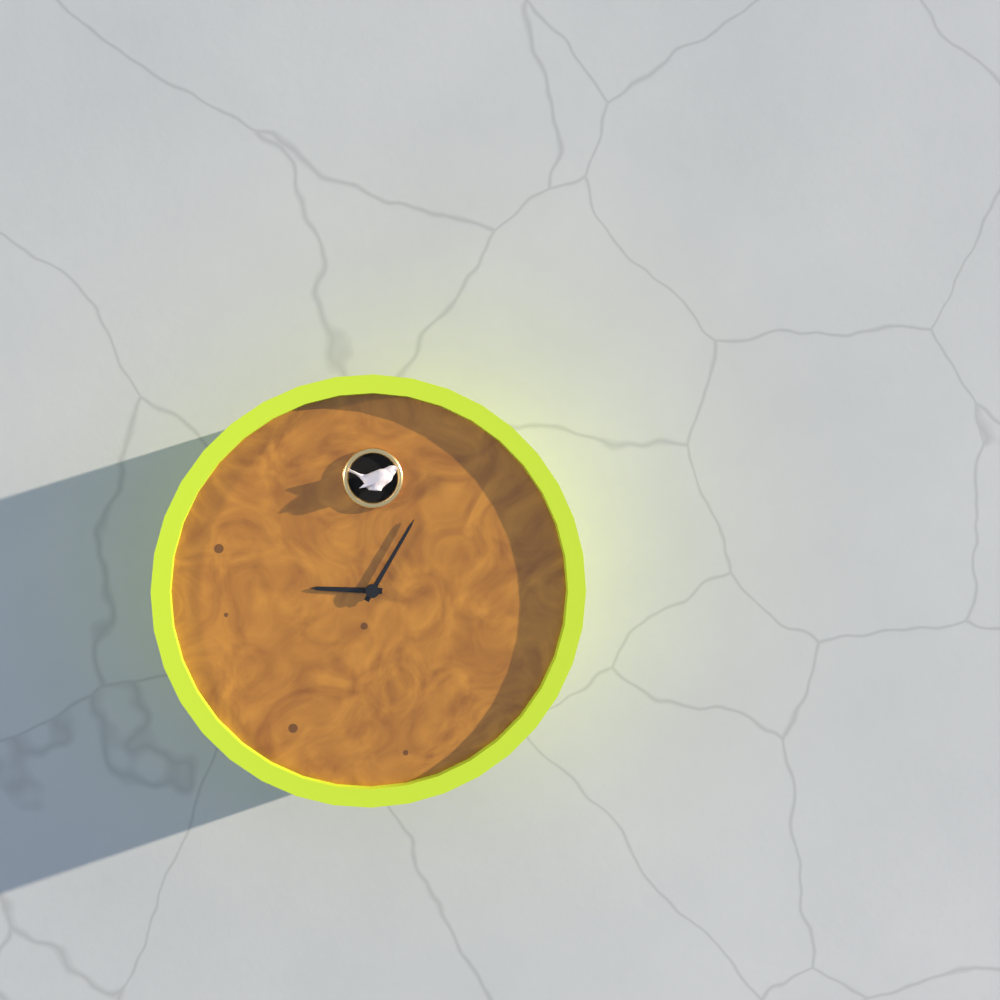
9:05
